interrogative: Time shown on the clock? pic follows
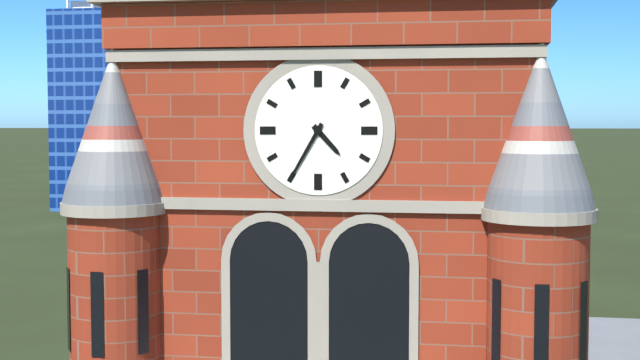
4:35
